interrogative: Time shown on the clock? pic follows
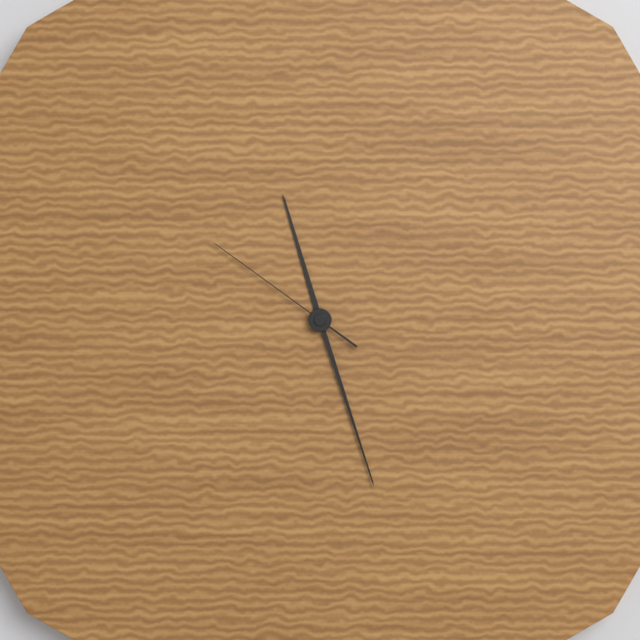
11:27:51
